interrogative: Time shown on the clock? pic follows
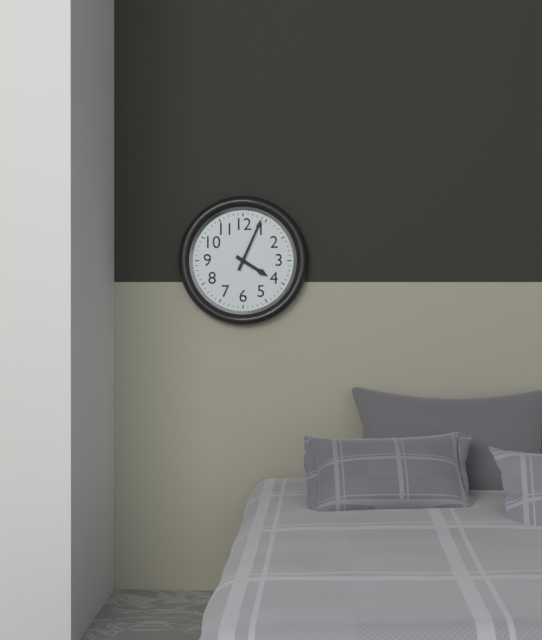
4:04
